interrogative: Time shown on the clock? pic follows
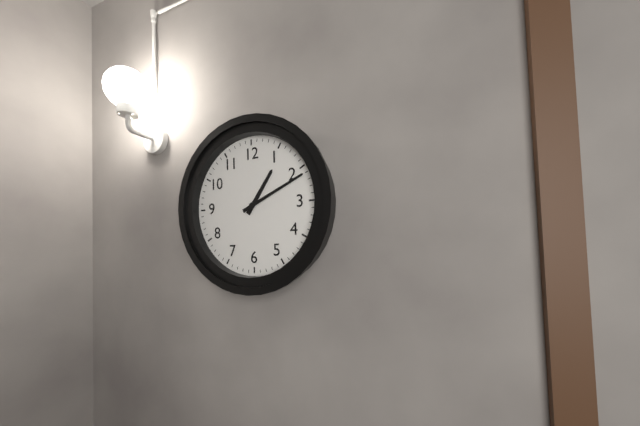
1:11
